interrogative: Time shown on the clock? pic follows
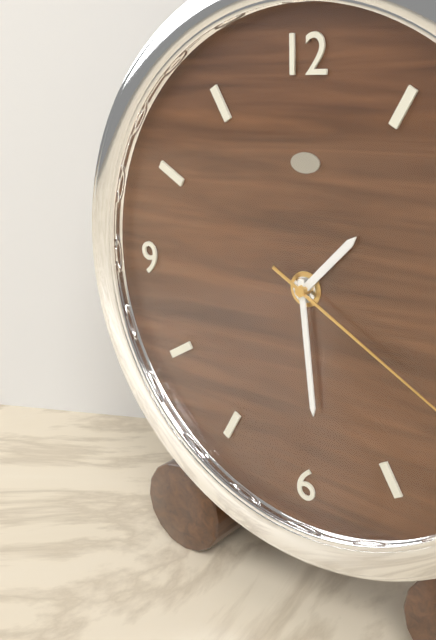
1:29
